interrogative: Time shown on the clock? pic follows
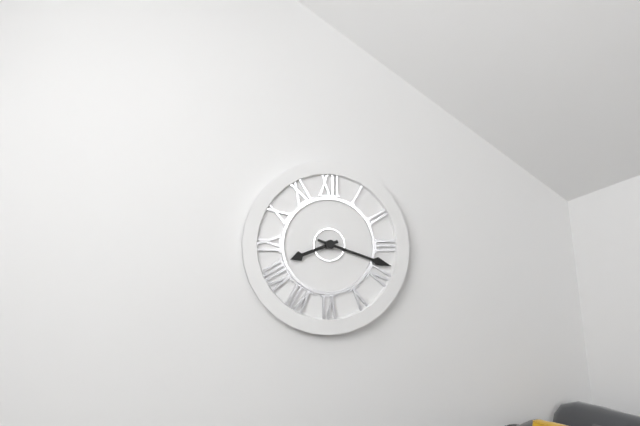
8:18
